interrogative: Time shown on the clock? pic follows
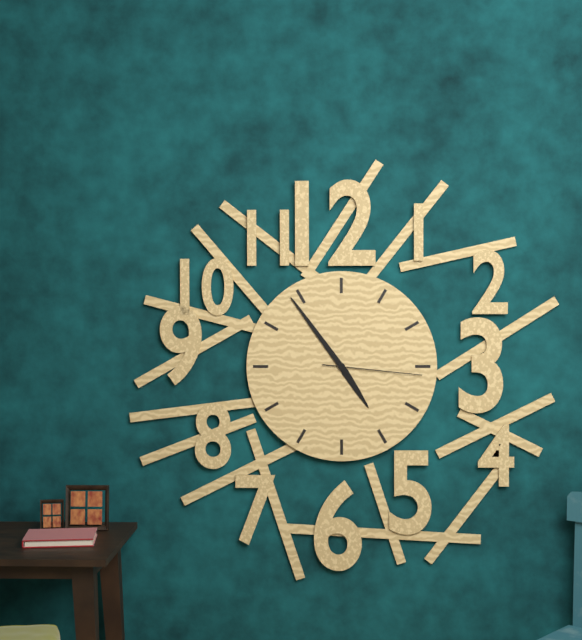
4:54:16
